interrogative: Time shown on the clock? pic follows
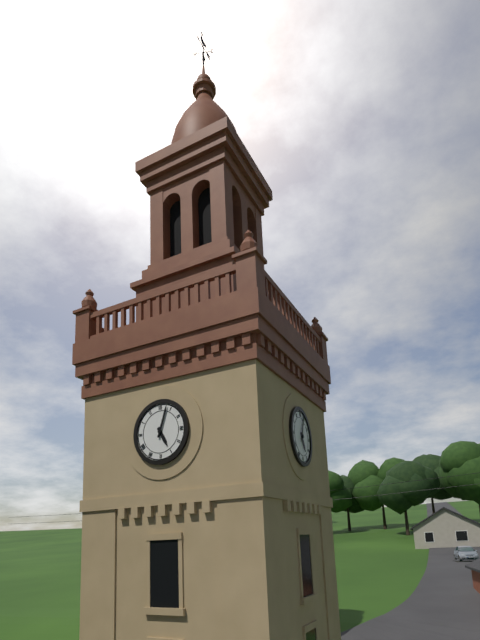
5:03
